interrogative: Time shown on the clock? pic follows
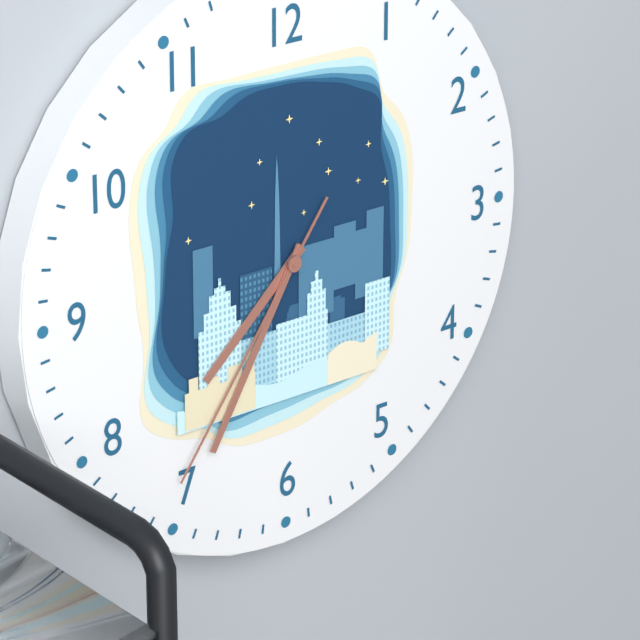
7:35:36
